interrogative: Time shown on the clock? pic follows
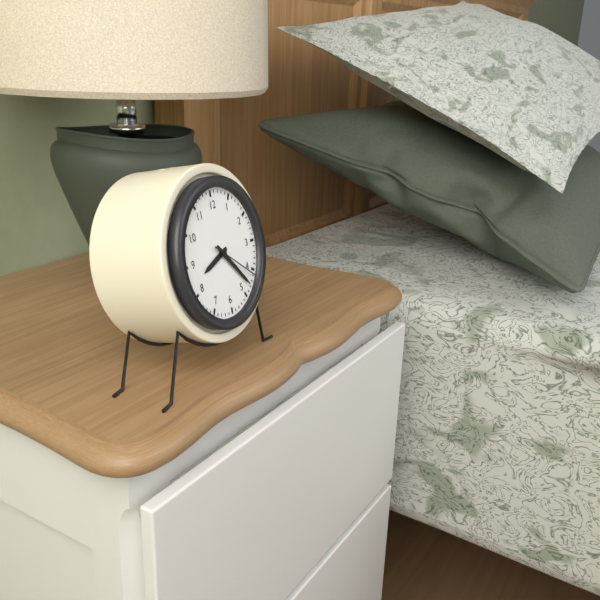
8:23
